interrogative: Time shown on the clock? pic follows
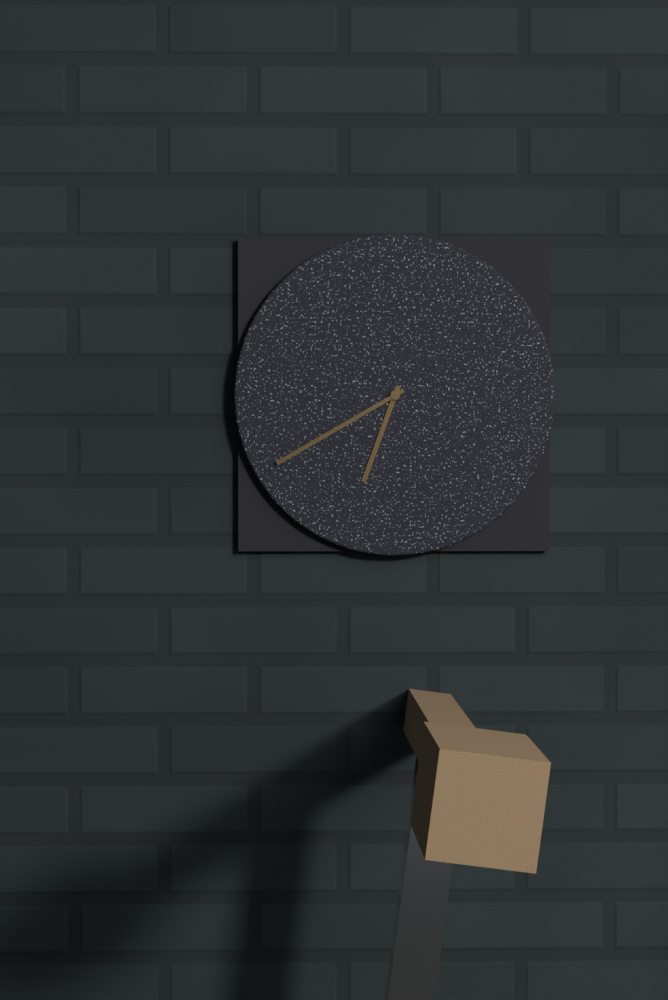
6:40
